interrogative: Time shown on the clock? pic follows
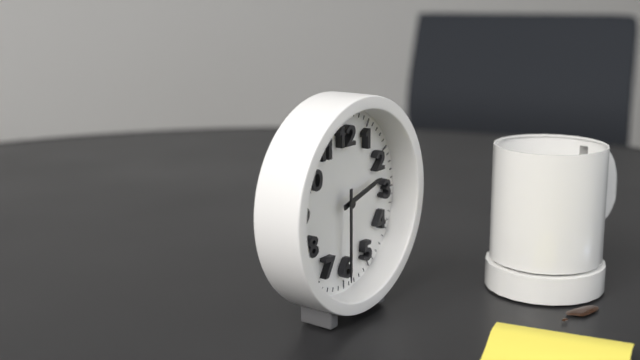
2:30
